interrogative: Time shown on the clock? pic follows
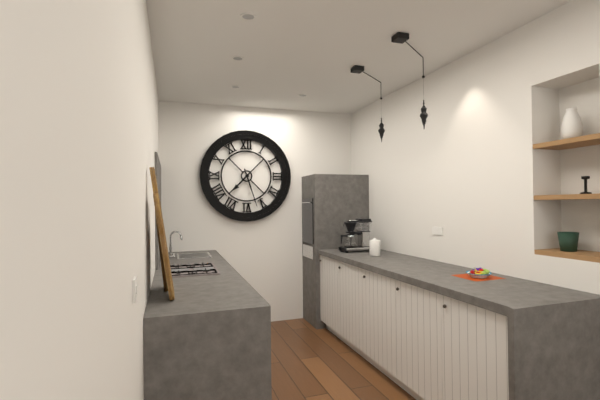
7:27
